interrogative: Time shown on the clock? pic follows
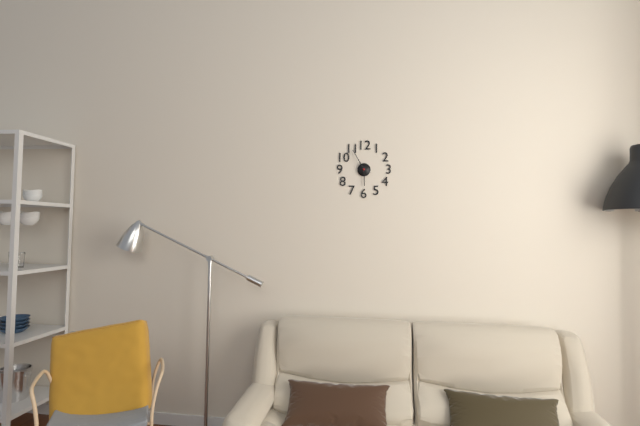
5:55
